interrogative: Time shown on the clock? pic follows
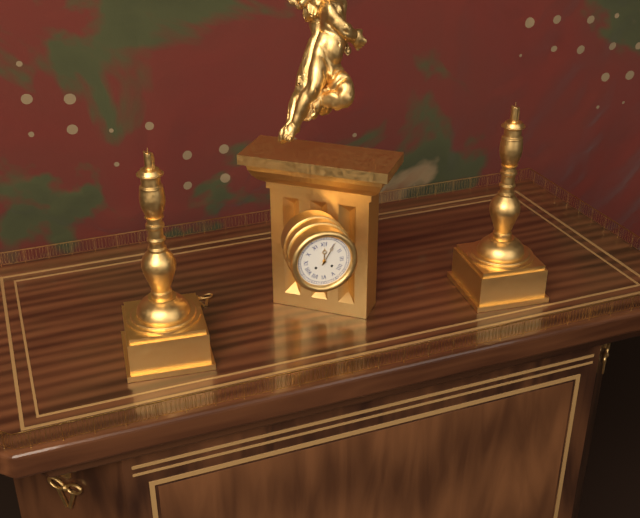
12:05
